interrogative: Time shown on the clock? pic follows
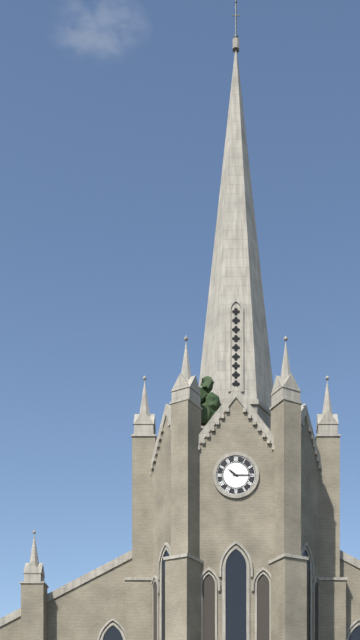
10:15
